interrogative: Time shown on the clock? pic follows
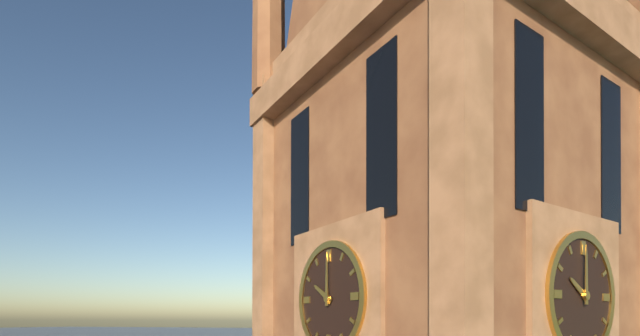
10:00
